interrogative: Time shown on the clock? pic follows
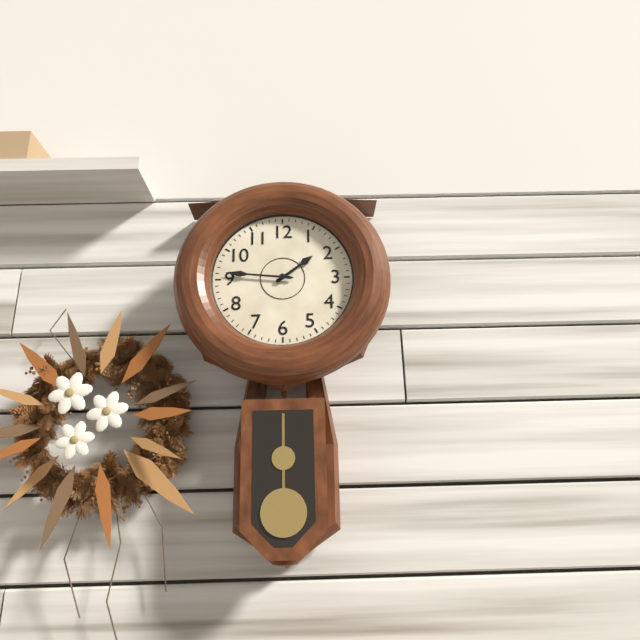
1:46
